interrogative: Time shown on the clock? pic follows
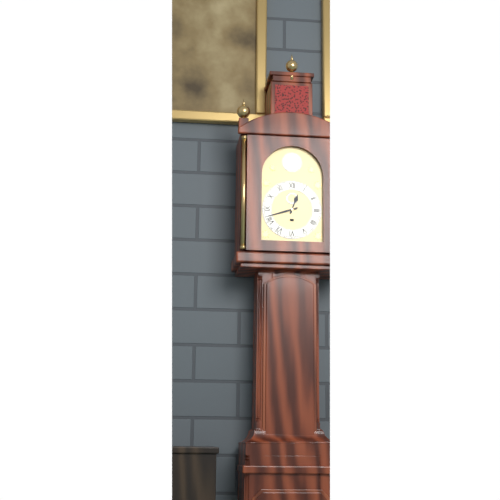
12:42
